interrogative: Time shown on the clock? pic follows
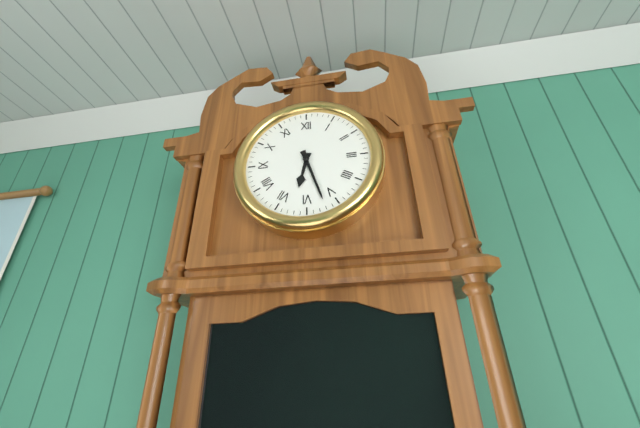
6:27
